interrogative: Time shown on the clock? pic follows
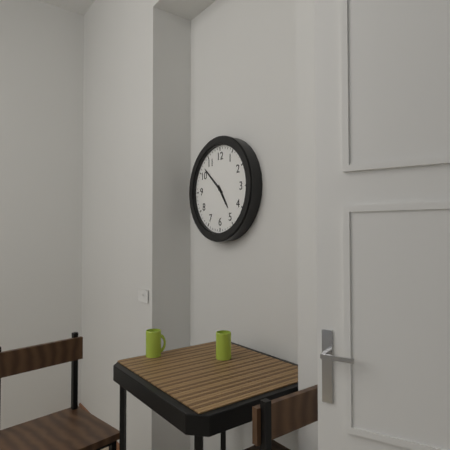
4:52
